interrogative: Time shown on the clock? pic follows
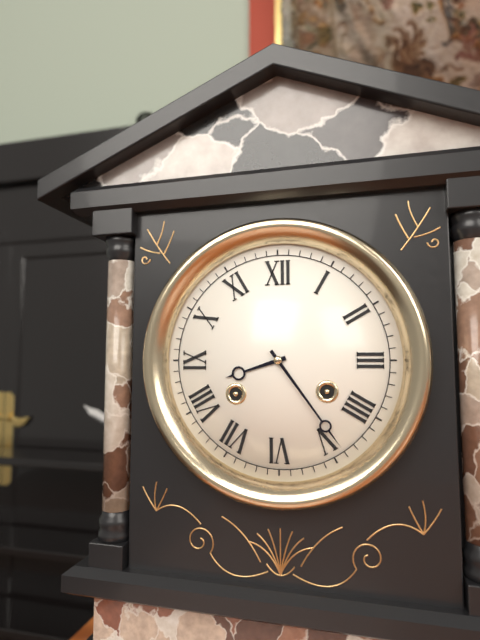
8:24
